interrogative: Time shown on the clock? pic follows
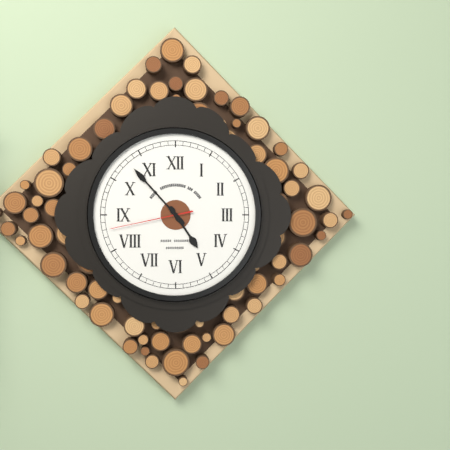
4:53:43
